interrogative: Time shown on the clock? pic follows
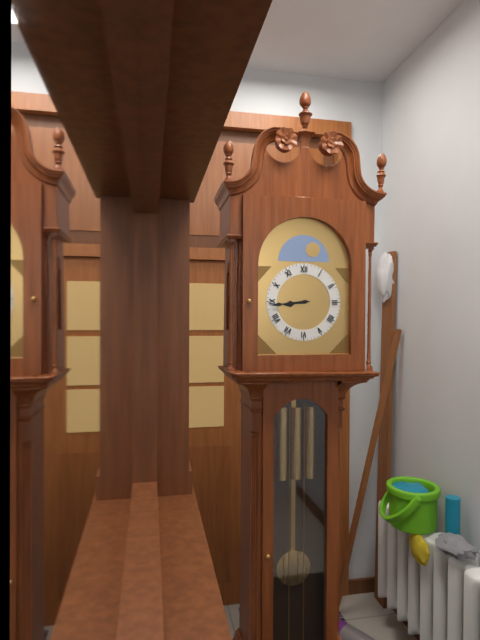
8:44
